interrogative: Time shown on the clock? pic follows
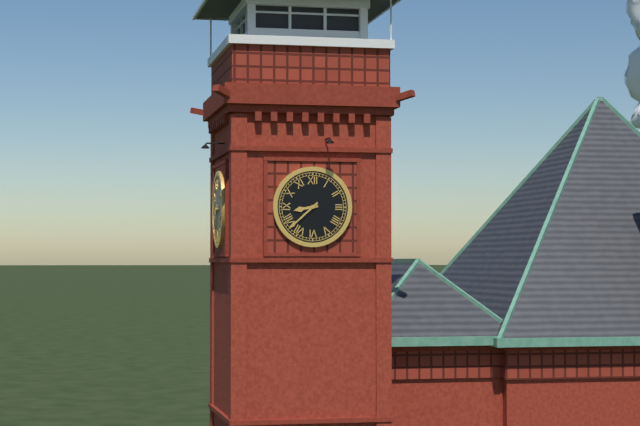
8:38
